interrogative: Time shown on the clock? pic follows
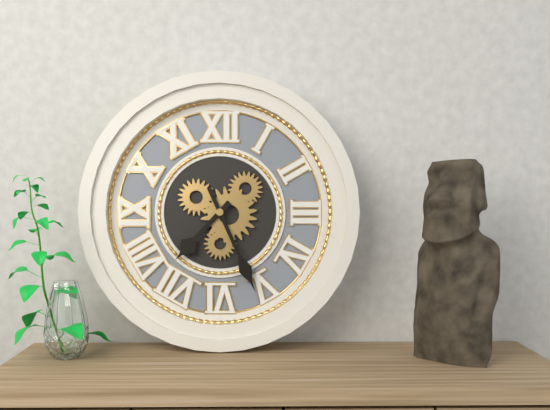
7:26
